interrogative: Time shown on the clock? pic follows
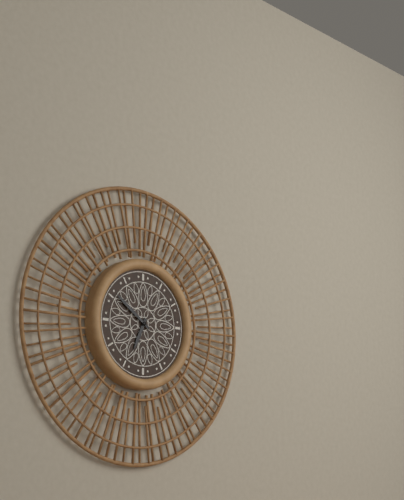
6:51
